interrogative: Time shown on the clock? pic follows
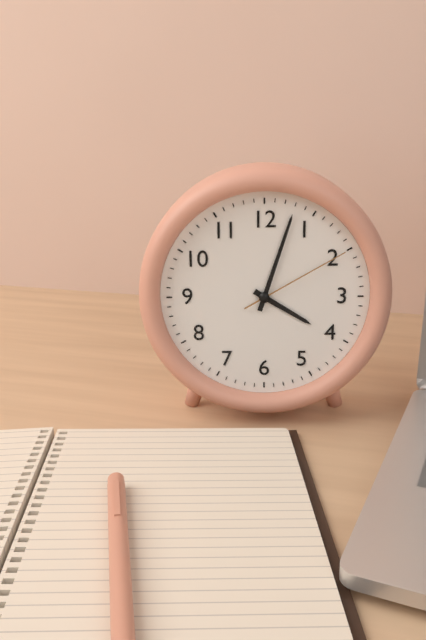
4:03:10
